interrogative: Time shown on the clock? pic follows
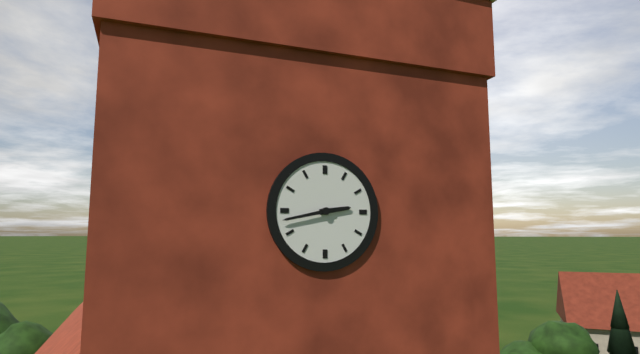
2:43
